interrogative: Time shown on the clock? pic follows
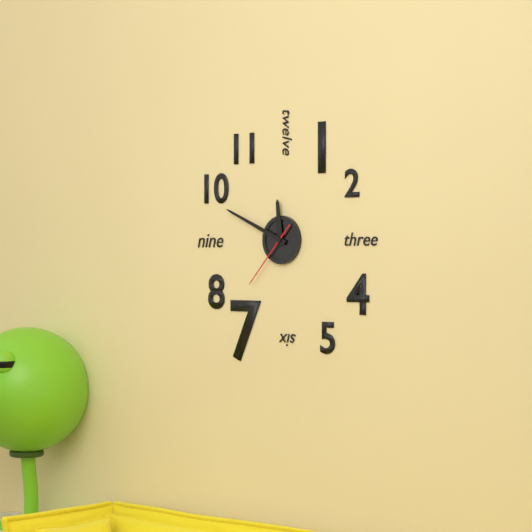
11:49:37
